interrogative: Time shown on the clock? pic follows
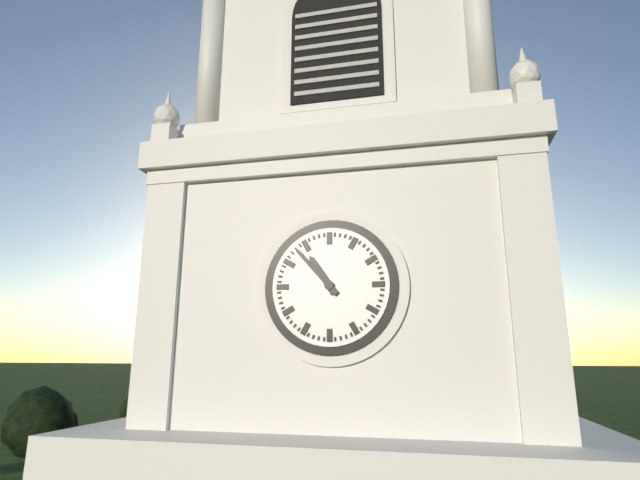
10:53
